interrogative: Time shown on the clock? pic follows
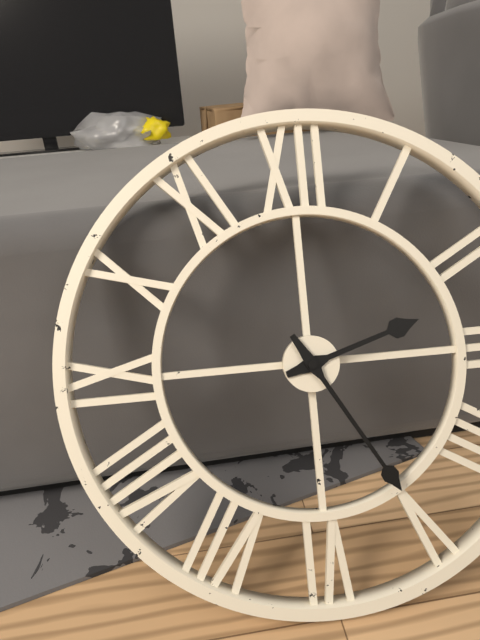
2:25
